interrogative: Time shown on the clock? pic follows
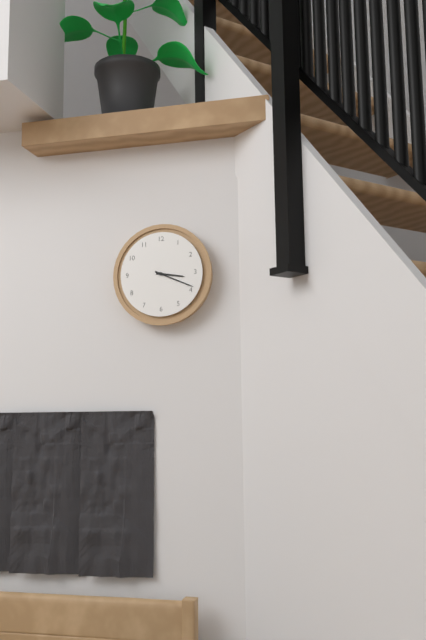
3:19
